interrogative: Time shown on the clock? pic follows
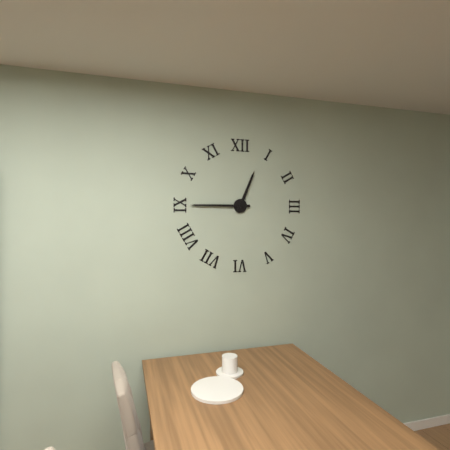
12:45
